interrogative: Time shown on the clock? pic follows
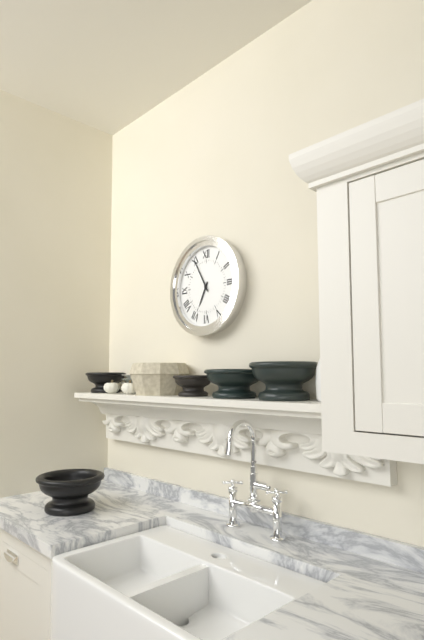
6:55
